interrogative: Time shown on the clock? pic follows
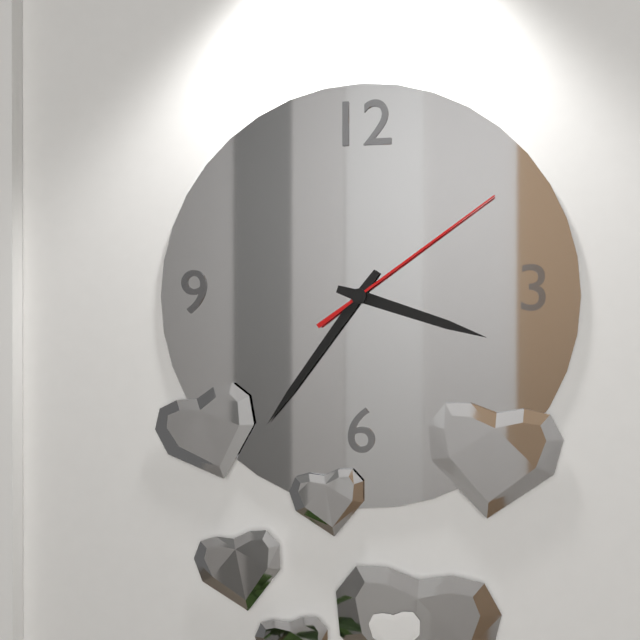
3:36:09
